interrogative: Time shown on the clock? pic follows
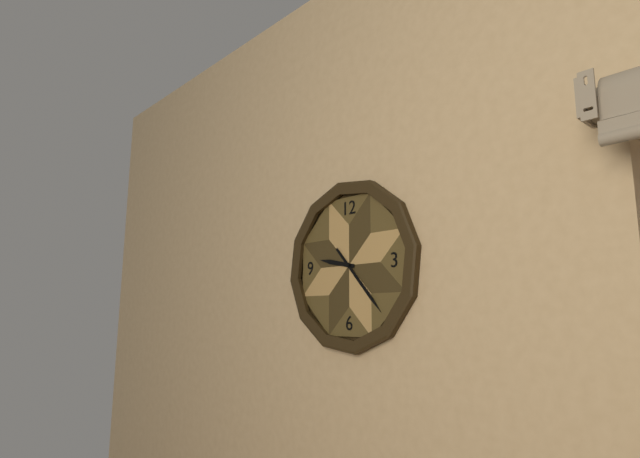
9:23
